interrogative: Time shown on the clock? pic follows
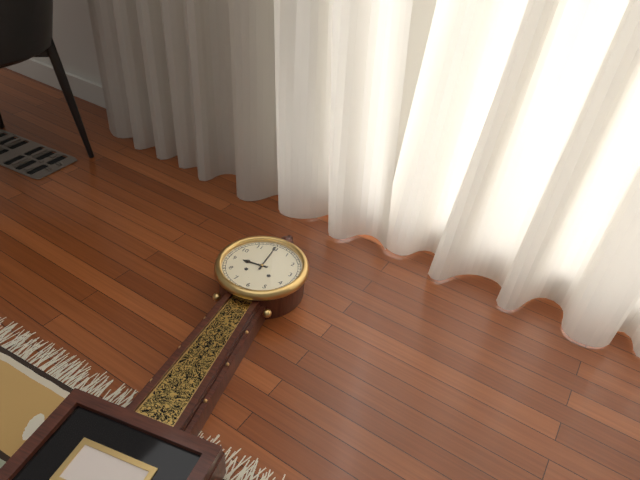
9:00
